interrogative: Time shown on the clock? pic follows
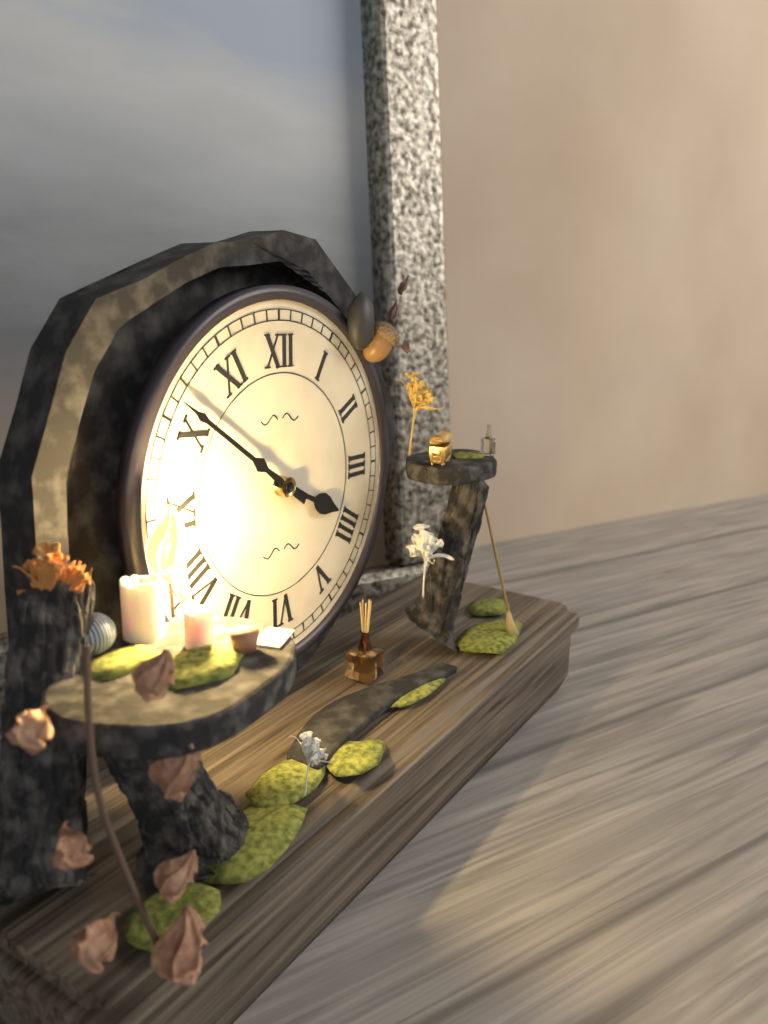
3:51
